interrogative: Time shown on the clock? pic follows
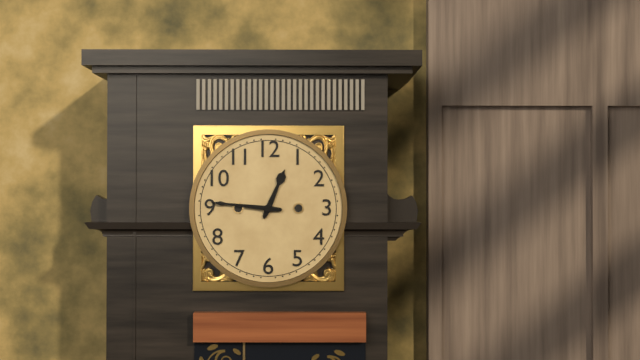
12:46
